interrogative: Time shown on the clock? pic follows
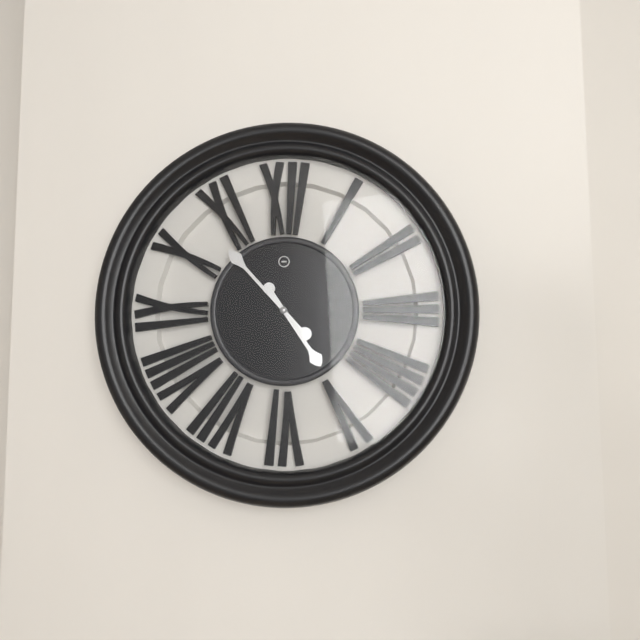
4:53
